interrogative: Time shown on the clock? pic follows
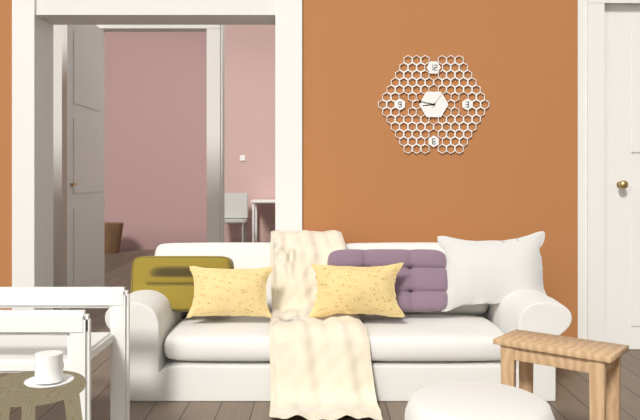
8:47
